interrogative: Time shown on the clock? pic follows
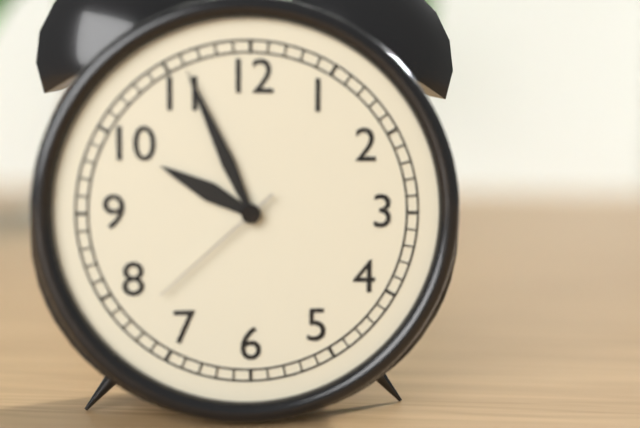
9:56:38
